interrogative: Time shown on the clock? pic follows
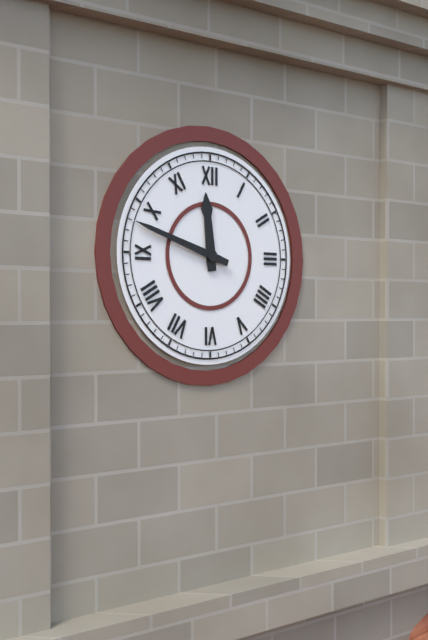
11:48
